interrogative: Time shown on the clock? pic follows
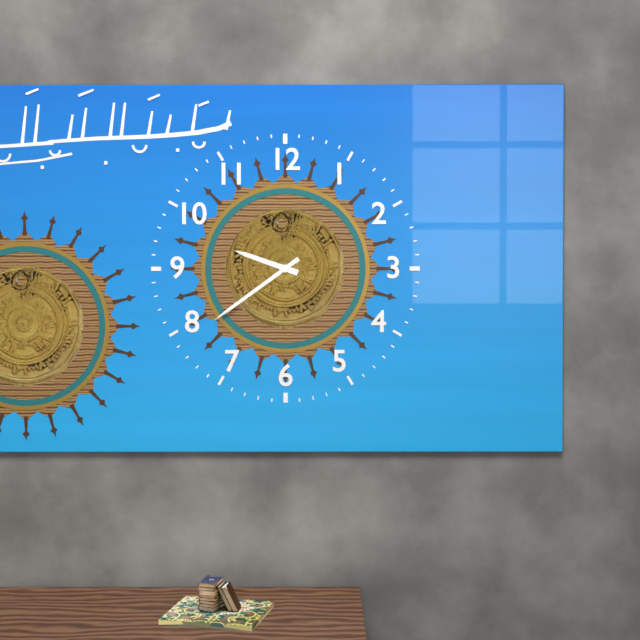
9:39
